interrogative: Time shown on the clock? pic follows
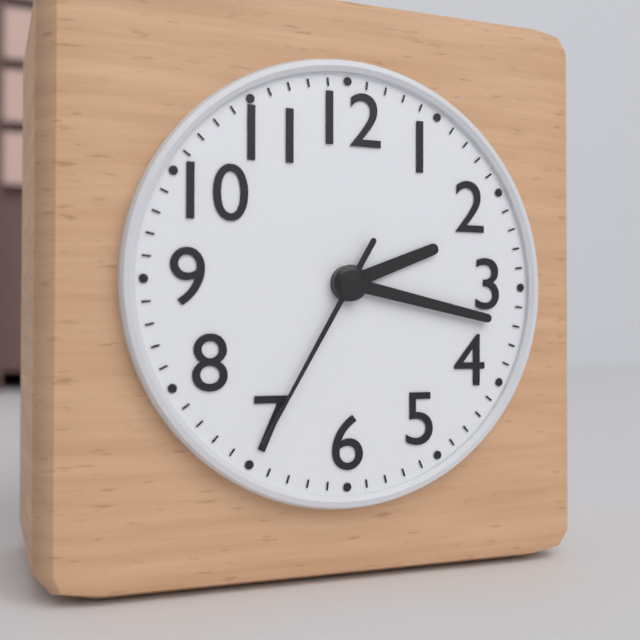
2:17:35
